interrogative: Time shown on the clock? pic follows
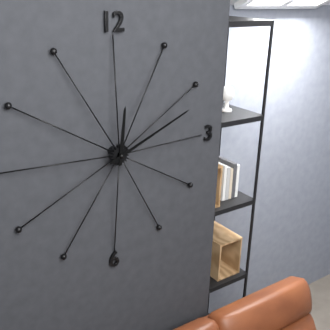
12:11
